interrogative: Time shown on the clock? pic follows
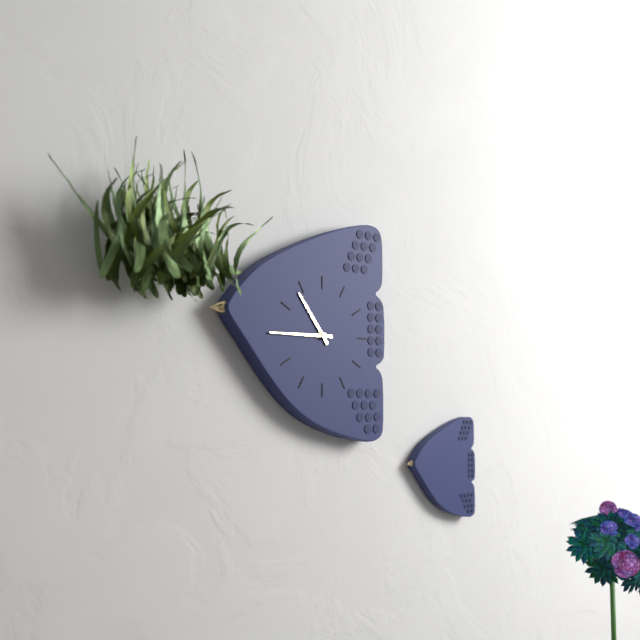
10:45
